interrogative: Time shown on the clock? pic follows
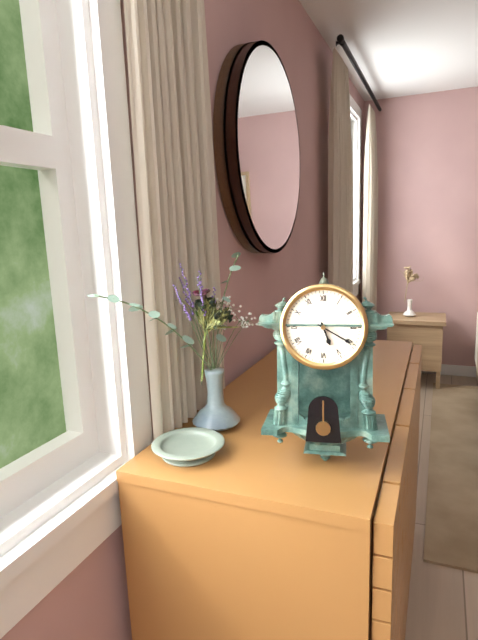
5:20
